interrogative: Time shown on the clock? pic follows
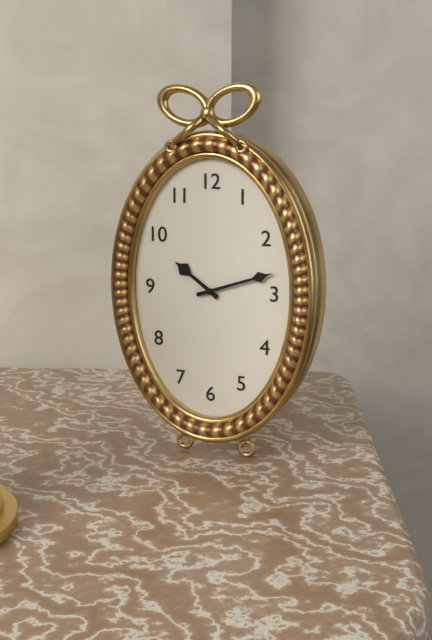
10:12
